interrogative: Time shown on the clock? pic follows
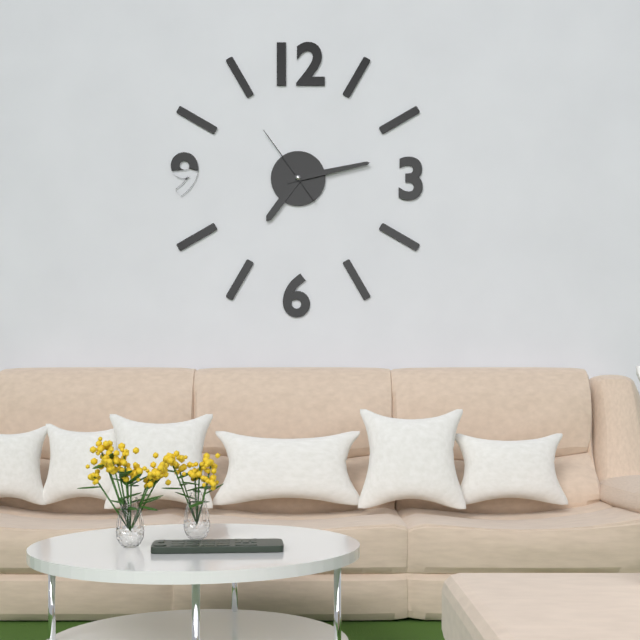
7:13:54
